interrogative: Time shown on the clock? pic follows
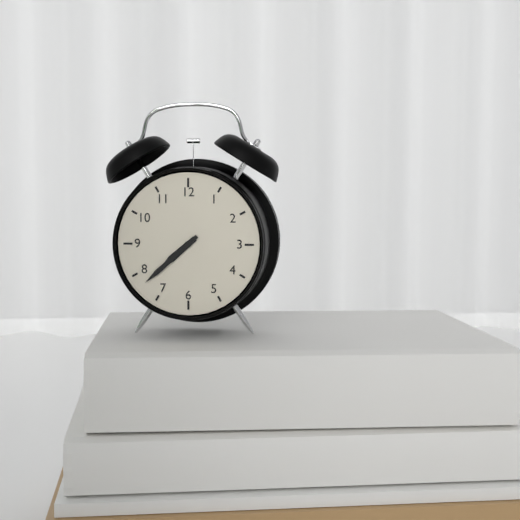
7:38
